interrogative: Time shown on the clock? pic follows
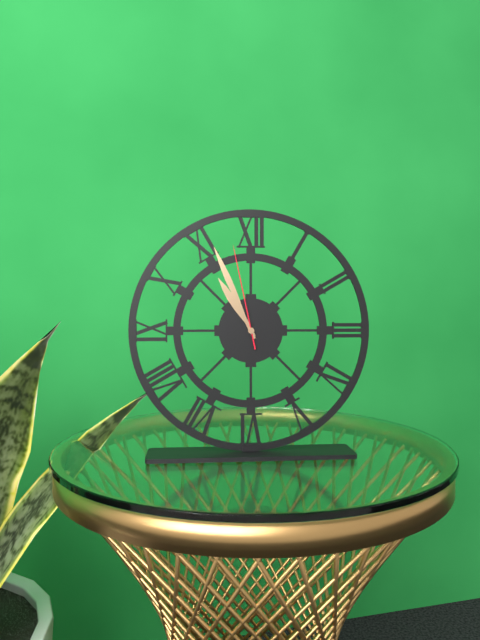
10:56:58
